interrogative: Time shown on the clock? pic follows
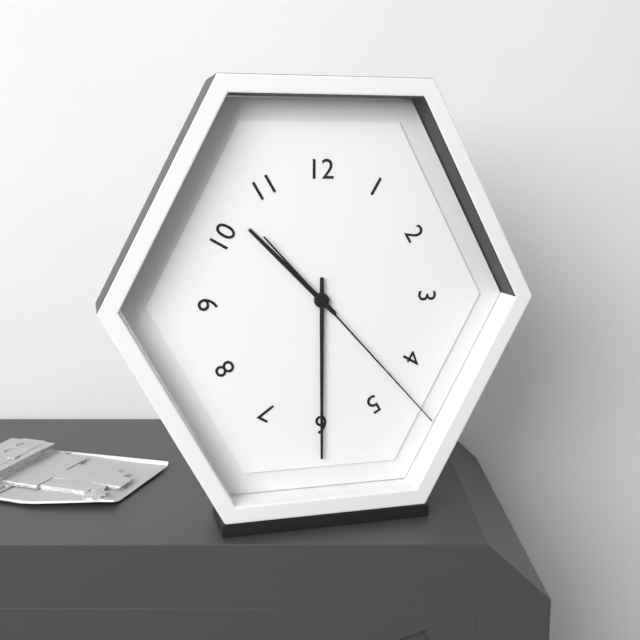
10:30:23
